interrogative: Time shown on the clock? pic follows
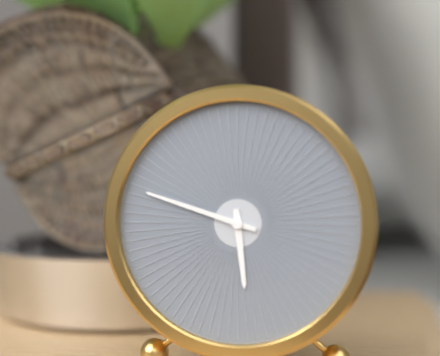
5:48
